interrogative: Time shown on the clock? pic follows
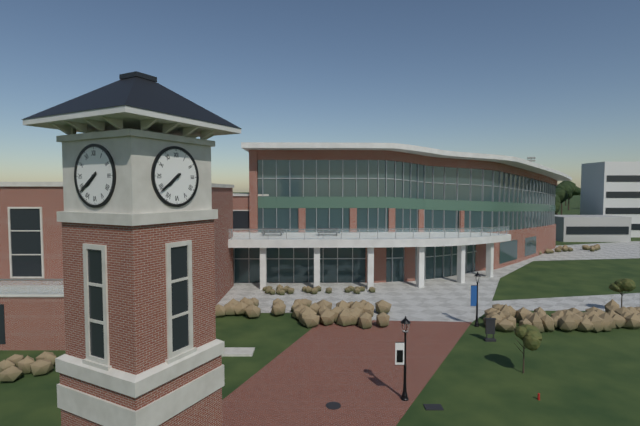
7:39
